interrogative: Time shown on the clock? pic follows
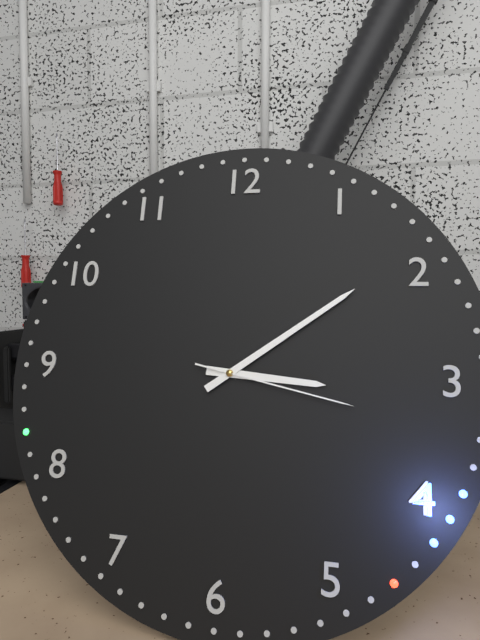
3:09:17
